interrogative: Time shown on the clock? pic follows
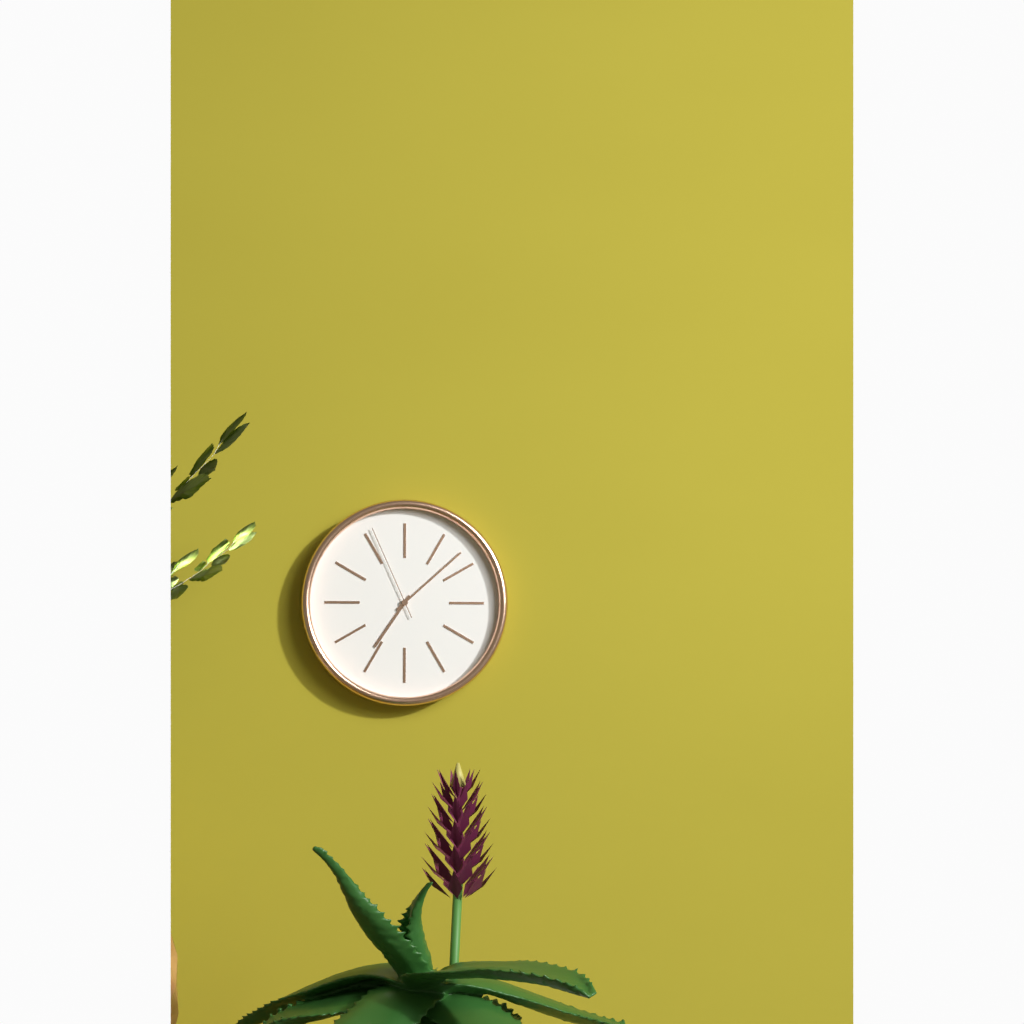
7:08:56
